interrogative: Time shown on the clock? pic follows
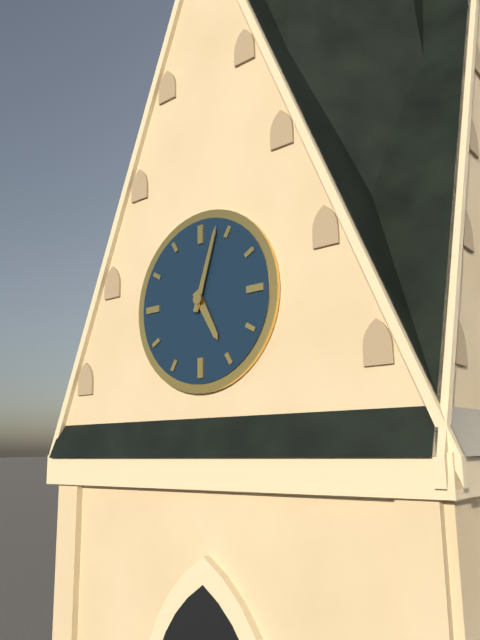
5:03
